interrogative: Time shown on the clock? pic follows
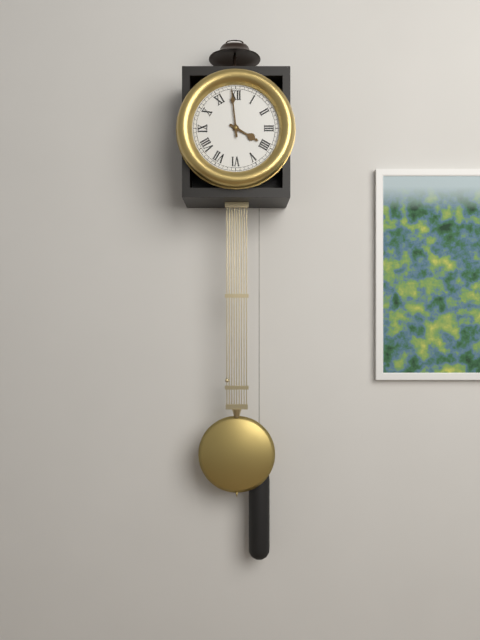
3:59
